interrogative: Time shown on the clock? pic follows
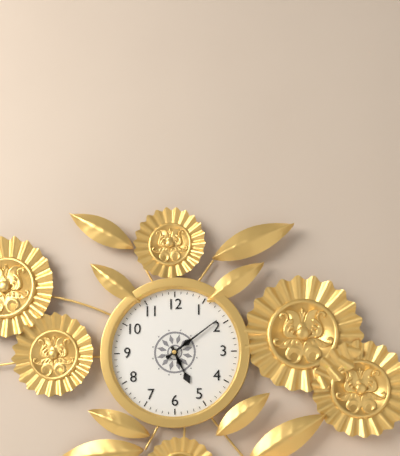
5:09
